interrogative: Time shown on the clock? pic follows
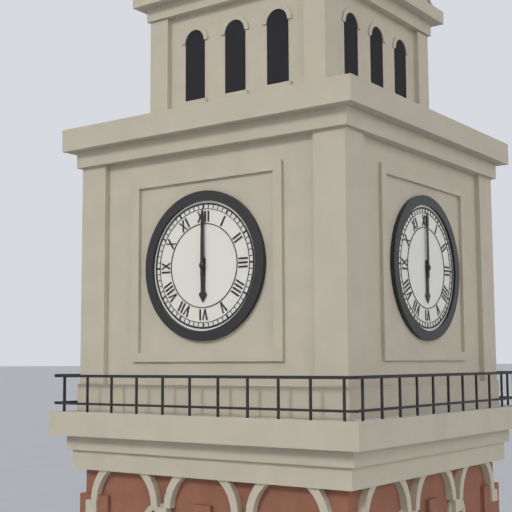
6:00
